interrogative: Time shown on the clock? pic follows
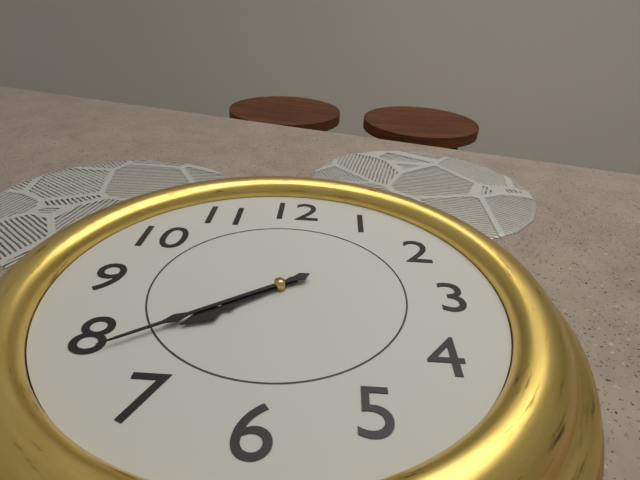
7:39
